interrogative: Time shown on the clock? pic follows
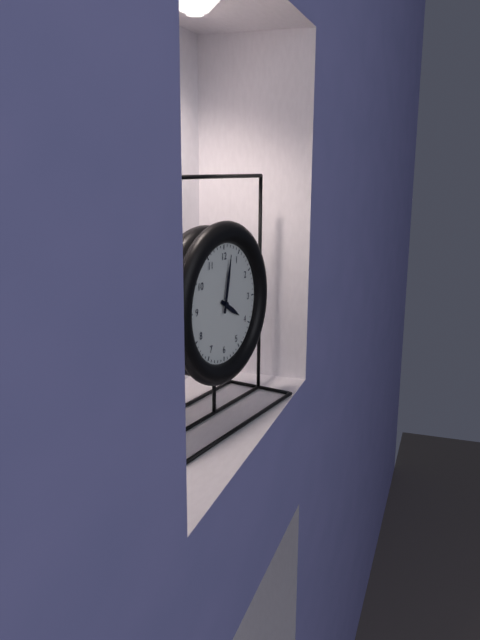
4:02
